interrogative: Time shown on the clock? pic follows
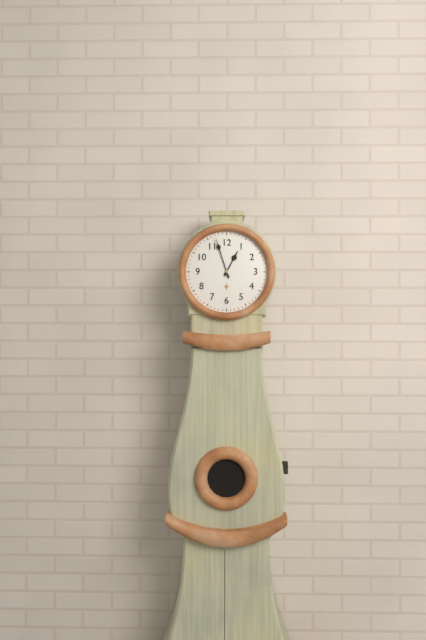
12:57
